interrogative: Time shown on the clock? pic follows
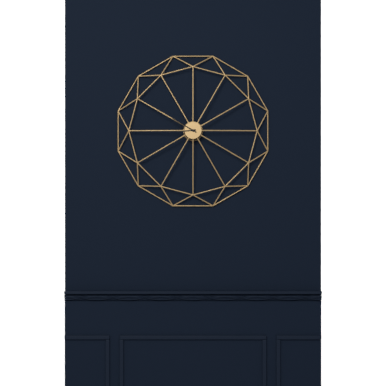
8:50
